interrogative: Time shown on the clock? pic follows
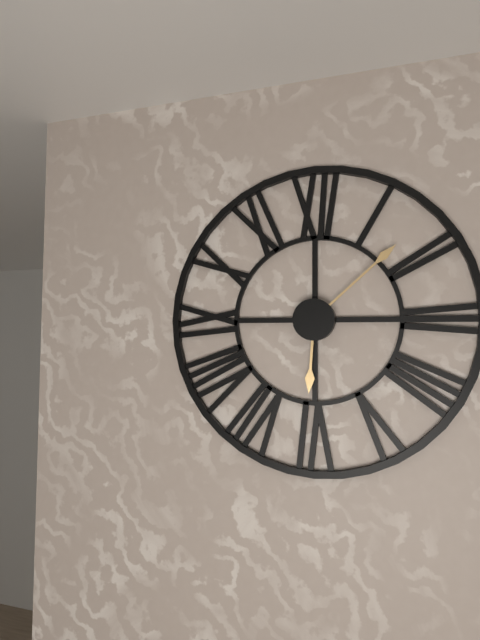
6:08
